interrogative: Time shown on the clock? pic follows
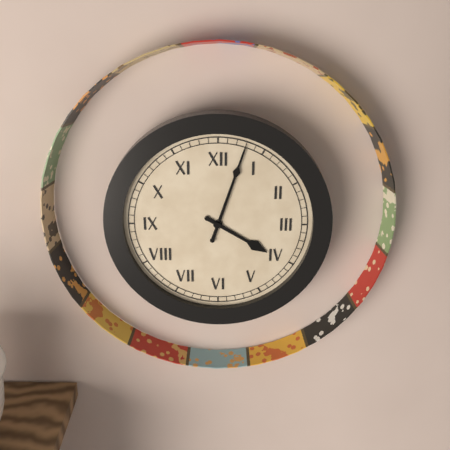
4:03
